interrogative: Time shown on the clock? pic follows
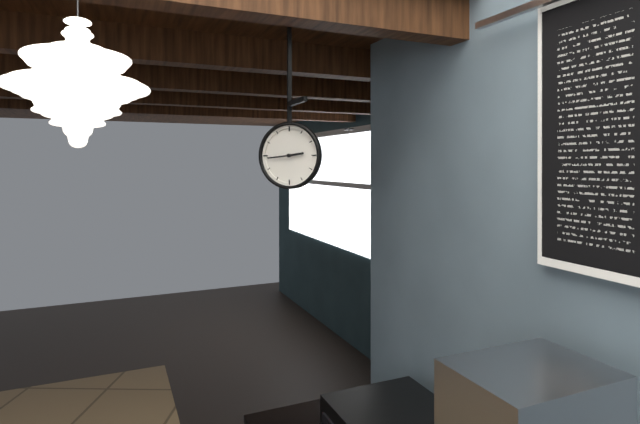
2:44
